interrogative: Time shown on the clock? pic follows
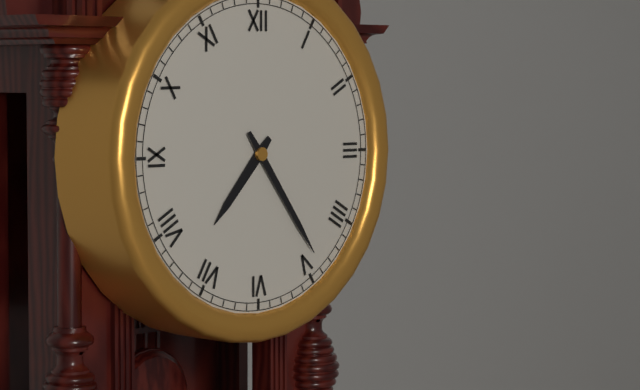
7:24
